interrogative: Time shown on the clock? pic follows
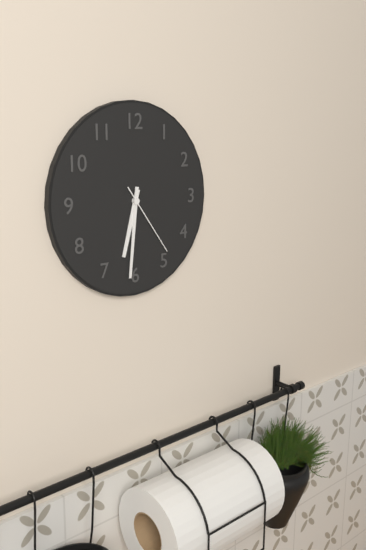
6:31:24
